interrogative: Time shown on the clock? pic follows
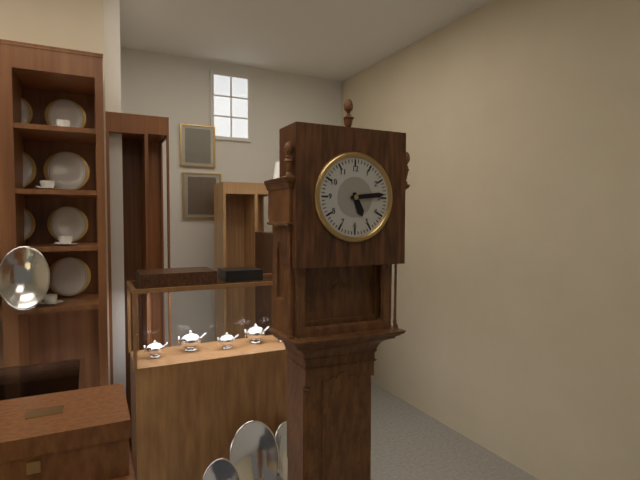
5:14
